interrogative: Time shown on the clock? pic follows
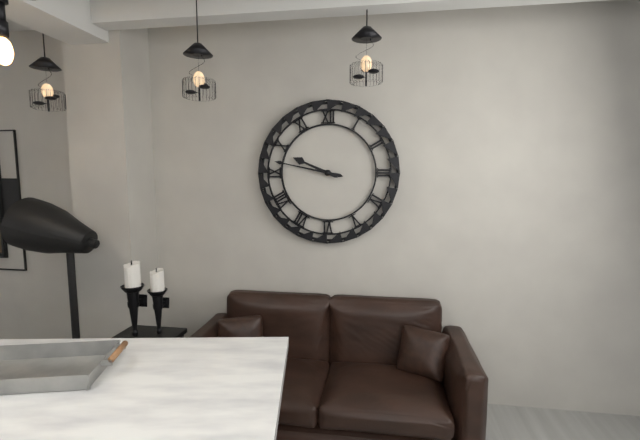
9:47
